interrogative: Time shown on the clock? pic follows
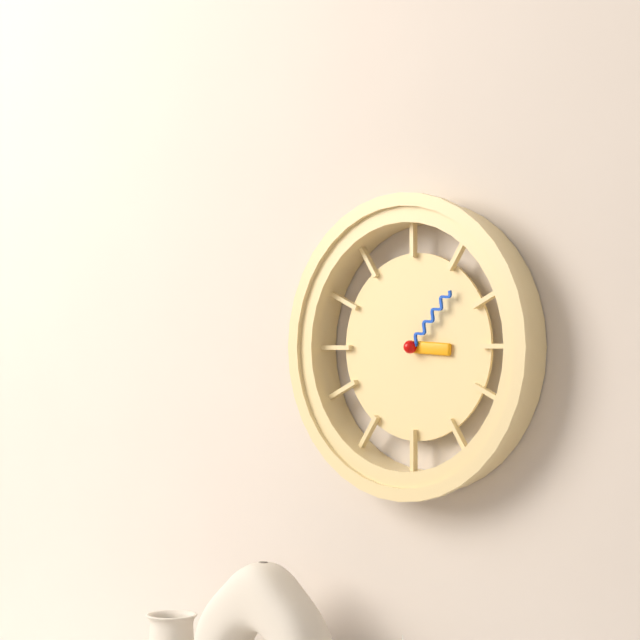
3:07
